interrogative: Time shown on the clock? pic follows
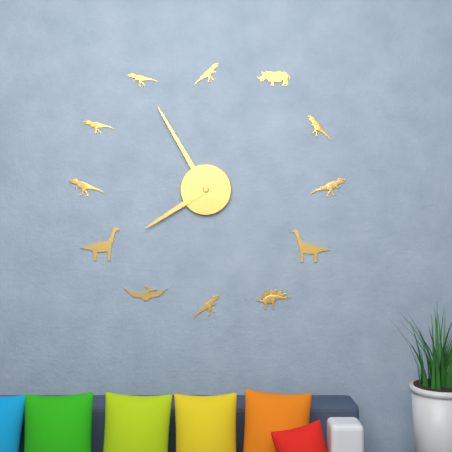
7:55
